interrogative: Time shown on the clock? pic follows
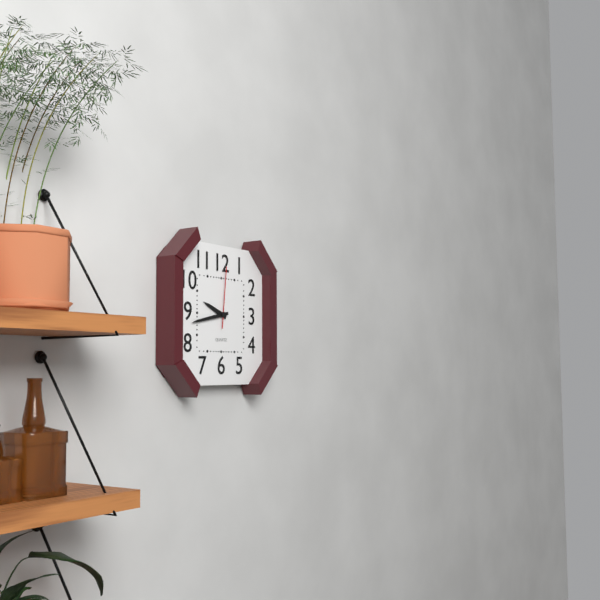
9:43:01
